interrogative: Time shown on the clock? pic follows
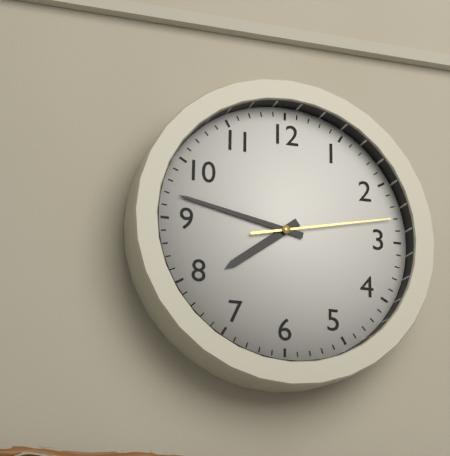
7:47:13
